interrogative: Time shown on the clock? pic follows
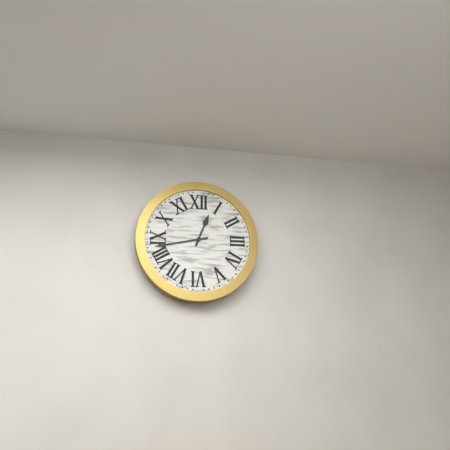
12:43
